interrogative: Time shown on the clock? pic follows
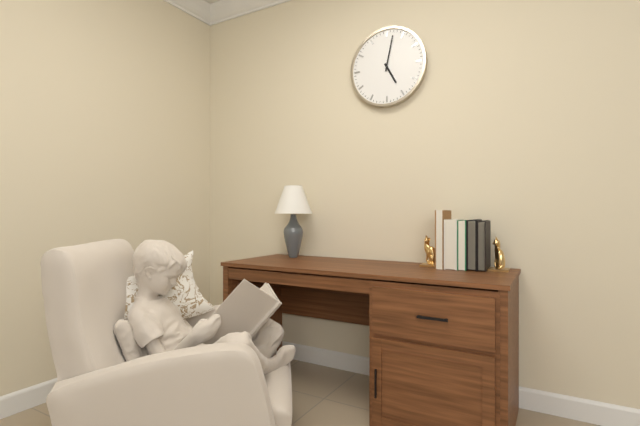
5:02
